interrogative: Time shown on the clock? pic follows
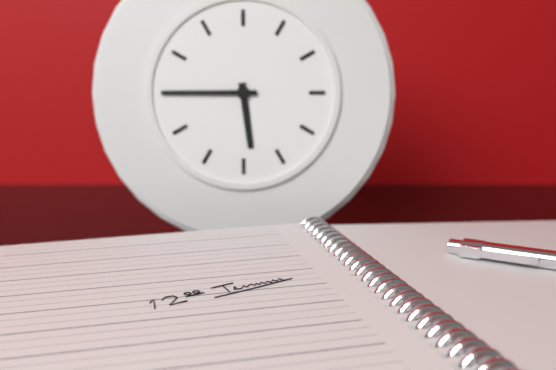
5:45
